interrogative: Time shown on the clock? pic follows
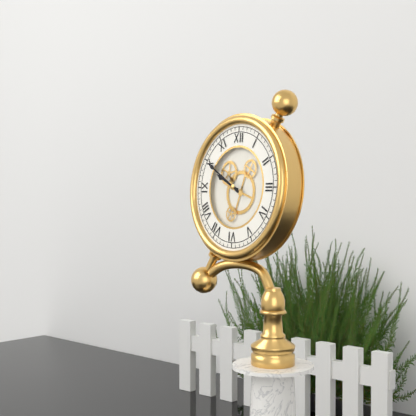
9:50
